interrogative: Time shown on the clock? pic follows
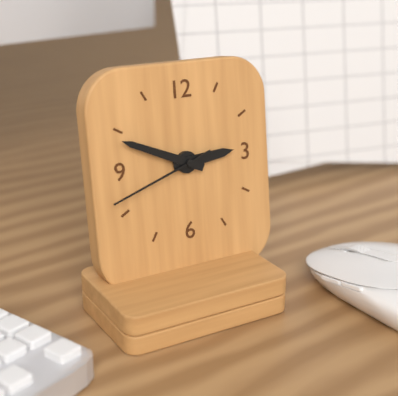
2:49:42
